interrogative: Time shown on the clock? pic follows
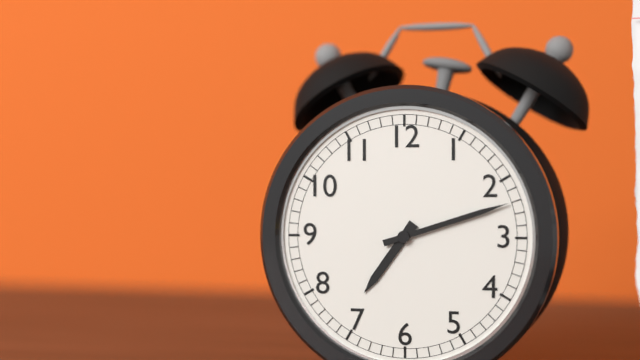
7:12
